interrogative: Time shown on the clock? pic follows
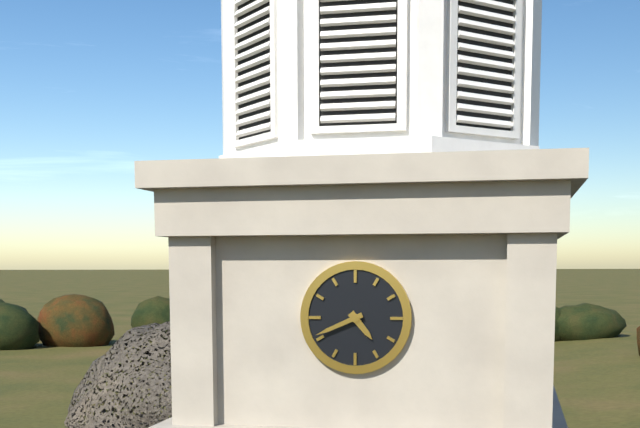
4:41
